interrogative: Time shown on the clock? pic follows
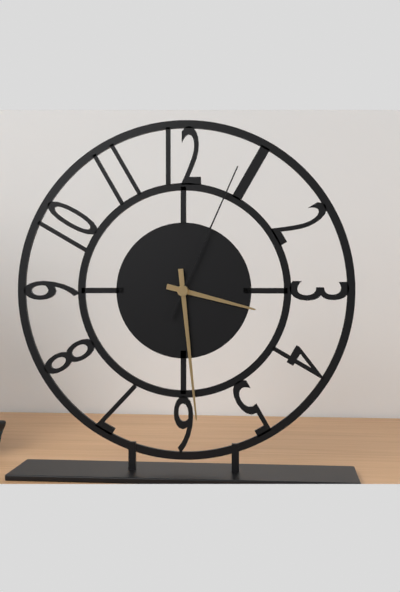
3:29:04
